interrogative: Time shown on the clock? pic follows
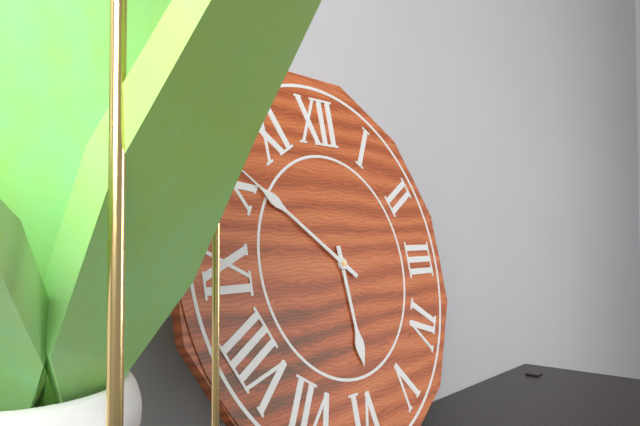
5:51
